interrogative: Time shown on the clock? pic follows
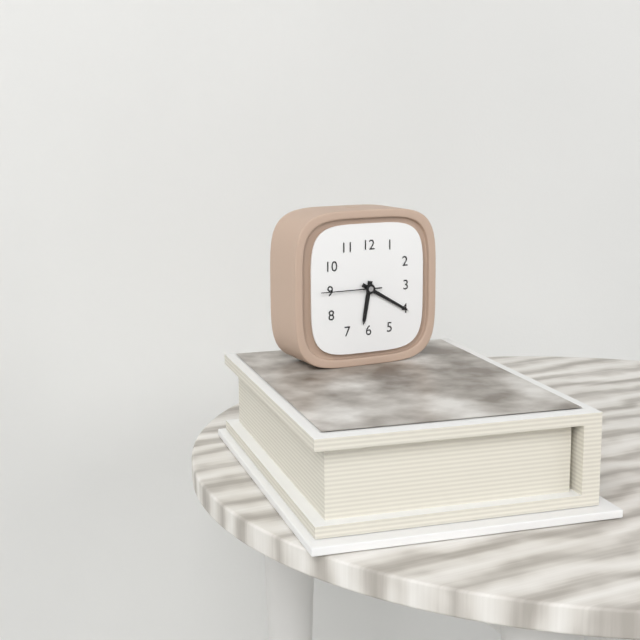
6:20:45
